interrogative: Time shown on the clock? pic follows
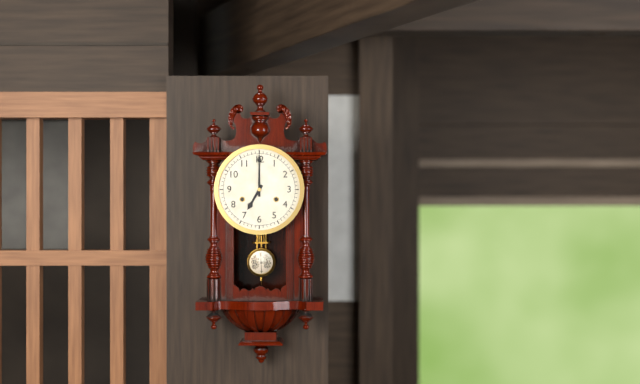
7:00
